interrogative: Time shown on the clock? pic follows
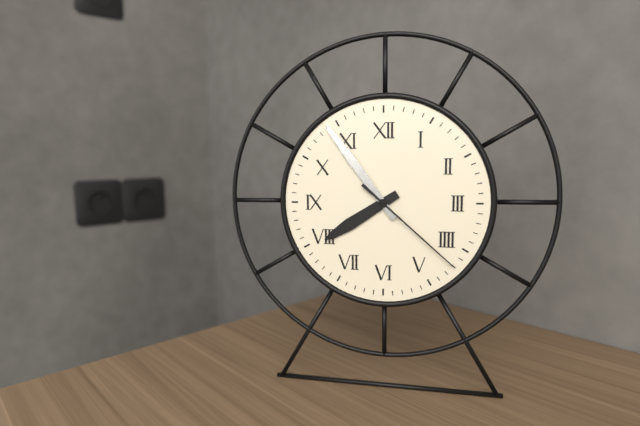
7:54:22
